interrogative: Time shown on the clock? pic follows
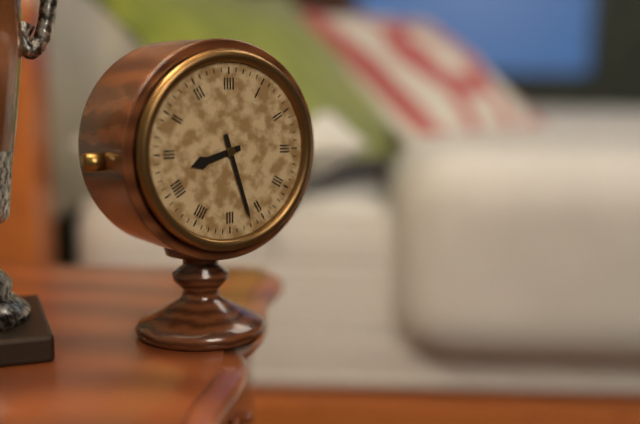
8:27
